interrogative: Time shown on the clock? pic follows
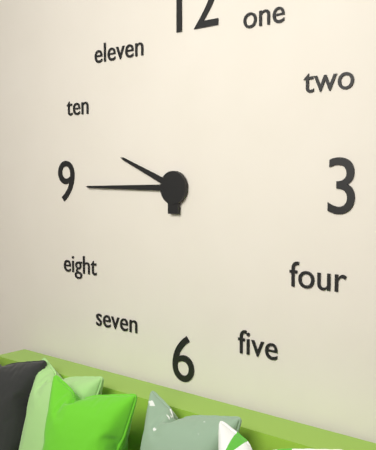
9:45
